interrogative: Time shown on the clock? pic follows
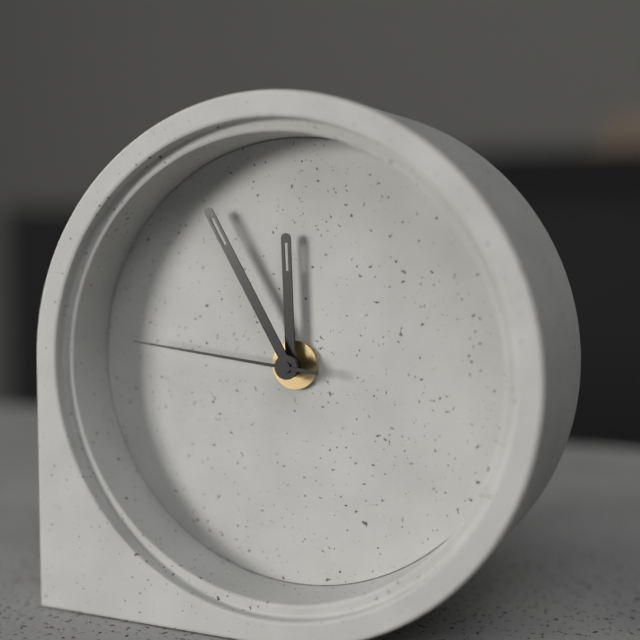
11:55:46
